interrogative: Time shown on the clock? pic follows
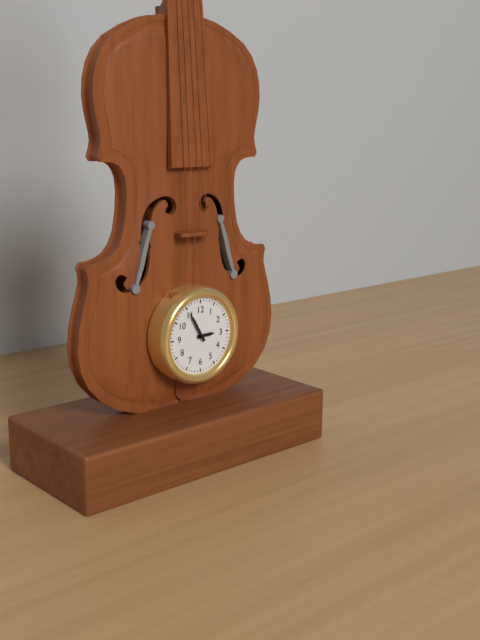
2:55
